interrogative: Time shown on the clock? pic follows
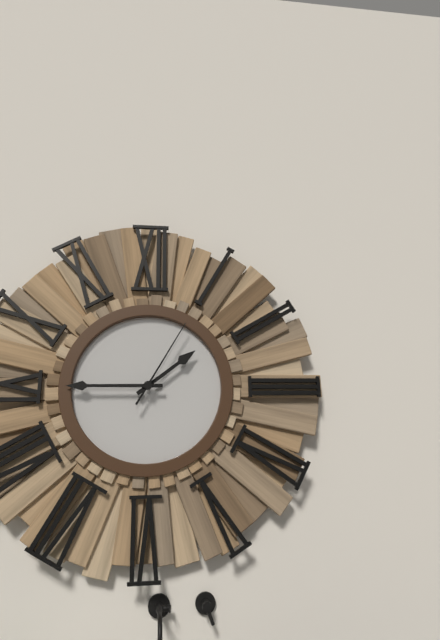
1:45:05
